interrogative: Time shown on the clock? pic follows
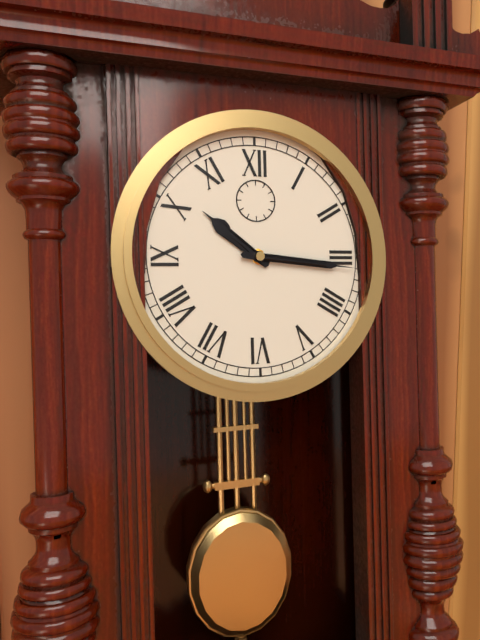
10:16
